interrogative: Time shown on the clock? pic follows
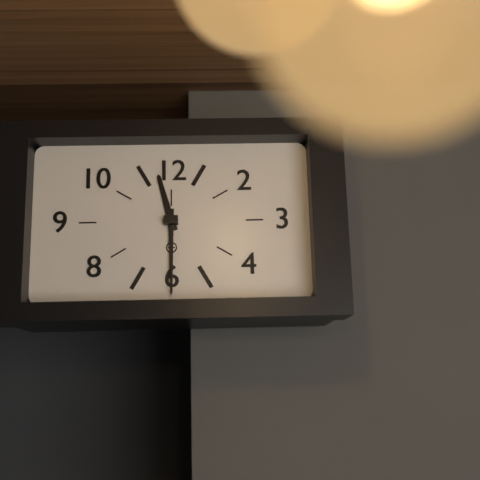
11:30
